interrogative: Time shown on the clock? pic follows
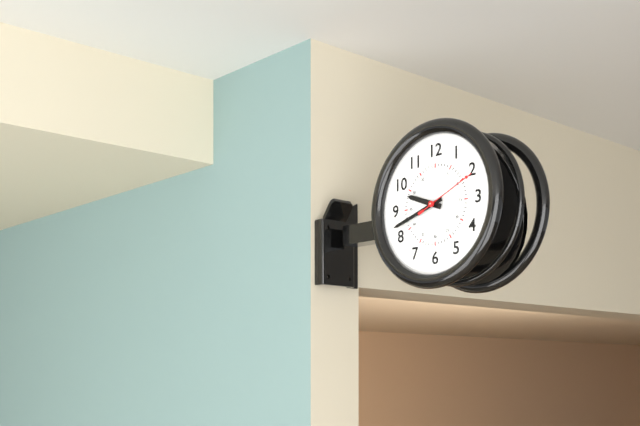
9:42:11
